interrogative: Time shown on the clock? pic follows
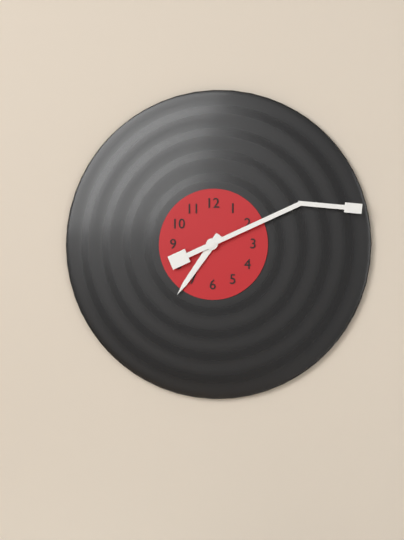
7:11
